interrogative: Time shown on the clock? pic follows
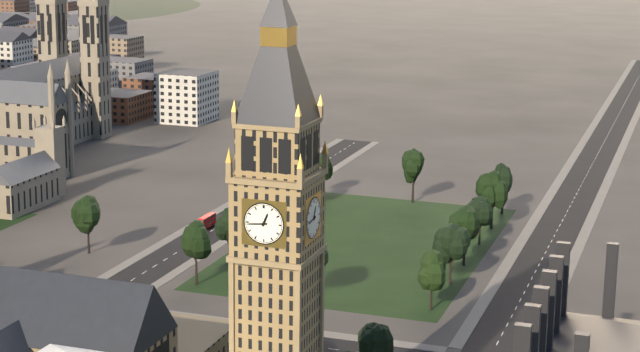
12:44
